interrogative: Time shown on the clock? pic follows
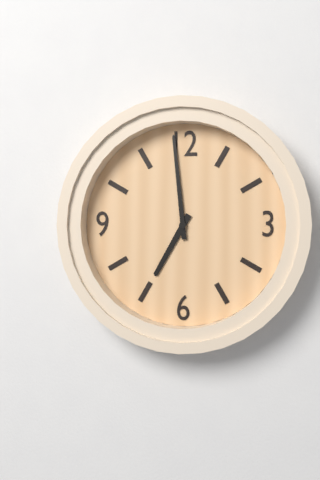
6:59
